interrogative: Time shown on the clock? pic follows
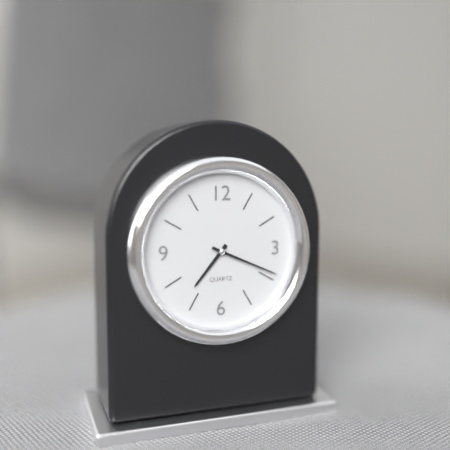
7:19
